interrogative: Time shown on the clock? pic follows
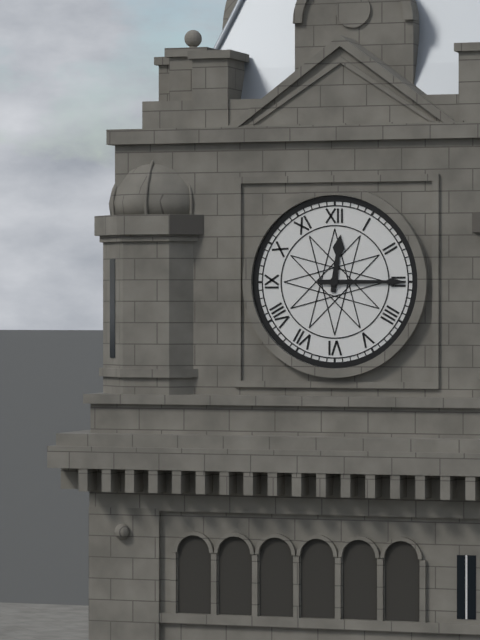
12:15
